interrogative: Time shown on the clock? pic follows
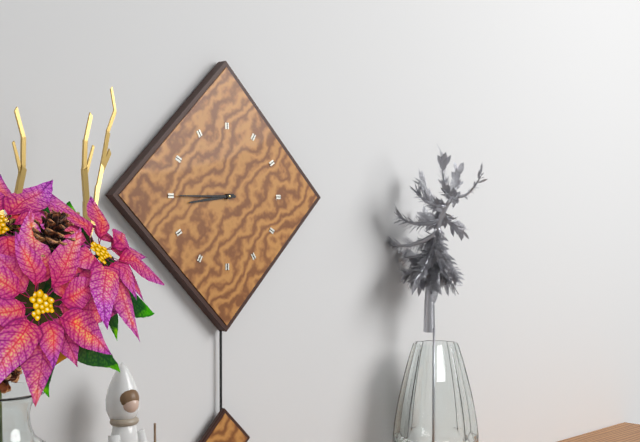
8:45
